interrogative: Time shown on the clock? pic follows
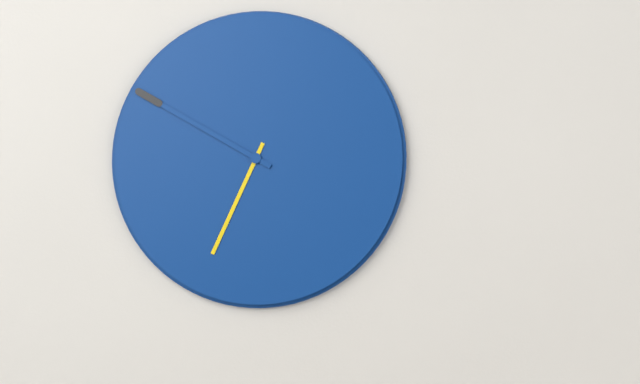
6:50
